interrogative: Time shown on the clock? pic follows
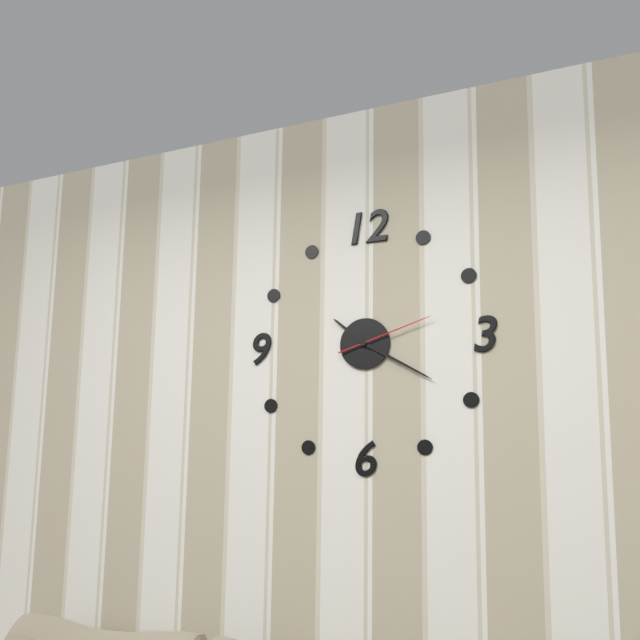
10:20:12
